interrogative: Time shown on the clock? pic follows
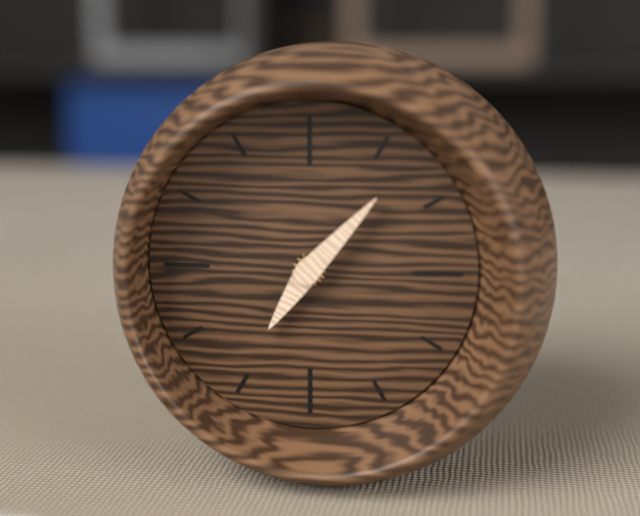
7:07
